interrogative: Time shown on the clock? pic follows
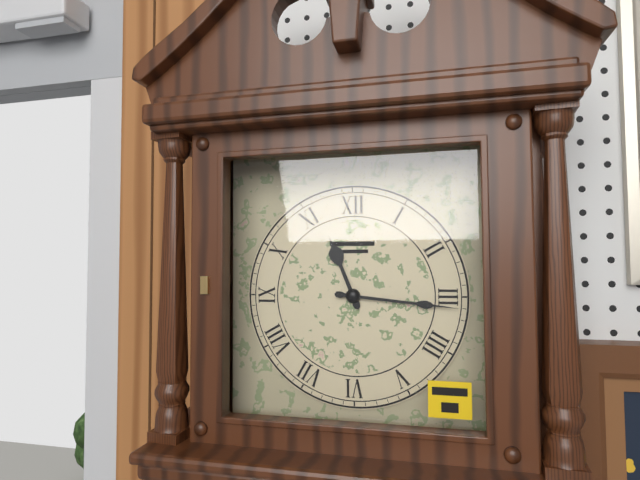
11:16
